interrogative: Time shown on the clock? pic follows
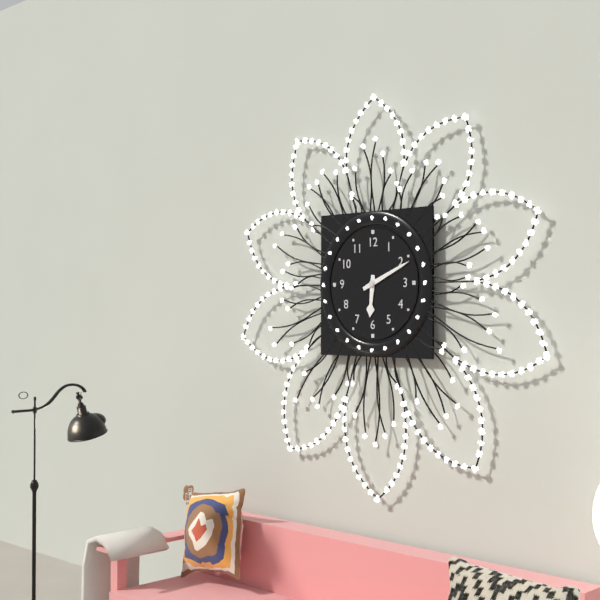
6:11
